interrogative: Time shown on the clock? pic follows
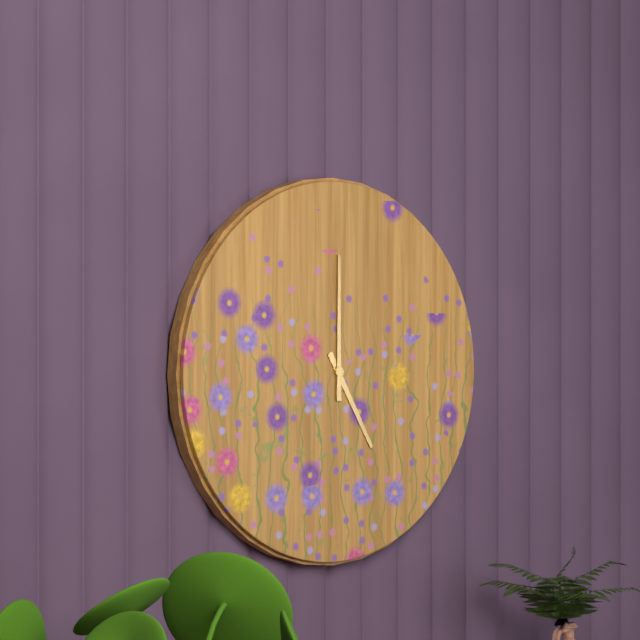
5:00
